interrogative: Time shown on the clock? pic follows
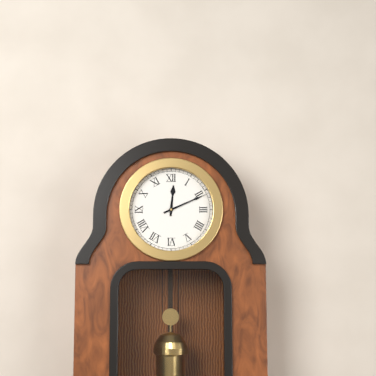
12:11
